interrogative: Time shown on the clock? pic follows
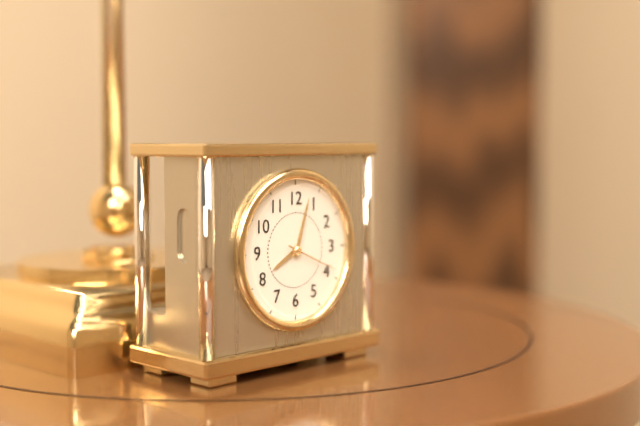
8:03:19
